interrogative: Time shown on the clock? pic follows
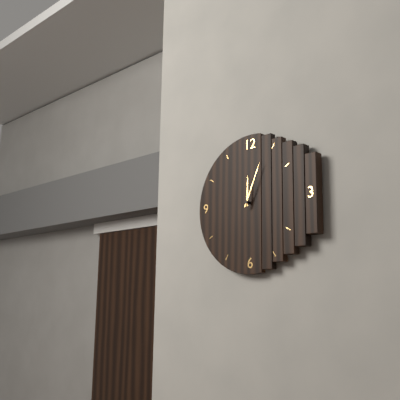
12:04
